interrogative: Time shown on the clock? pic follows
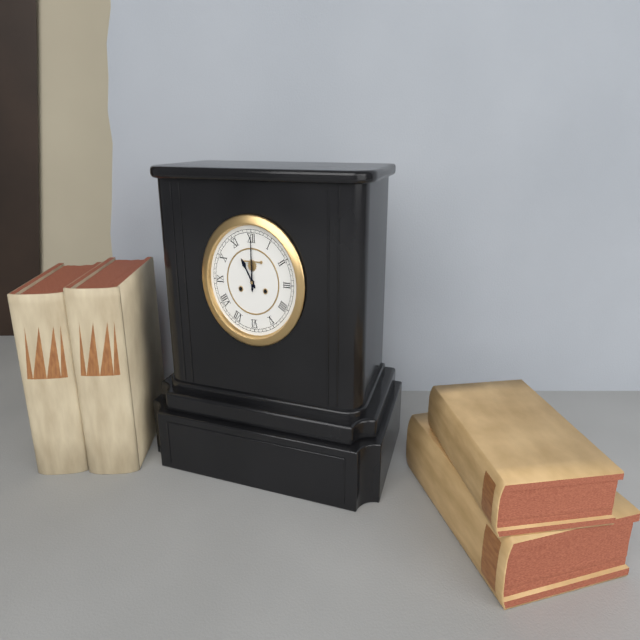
11:00
